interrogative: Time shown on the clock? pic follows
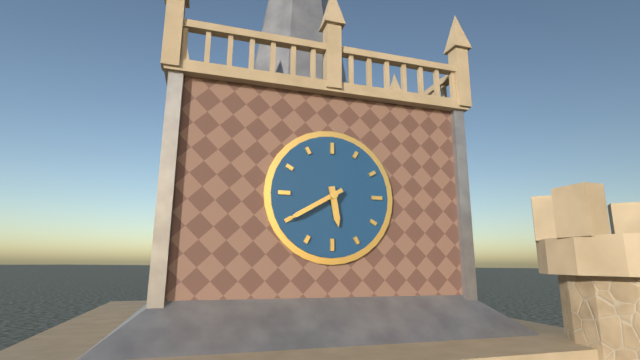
5:40
